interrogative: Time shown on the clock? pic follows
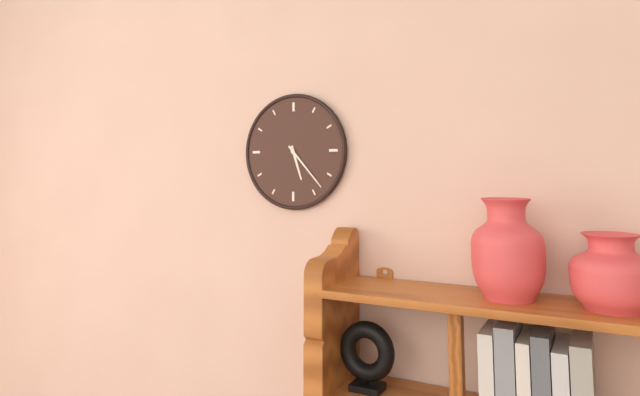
5:23
